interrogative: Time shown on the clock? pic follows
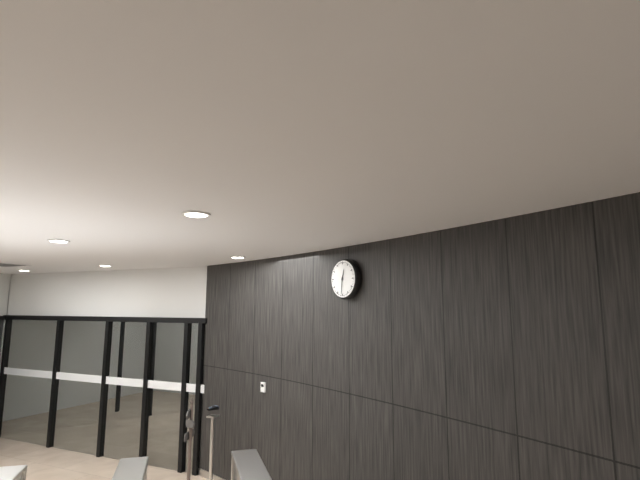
12:31
